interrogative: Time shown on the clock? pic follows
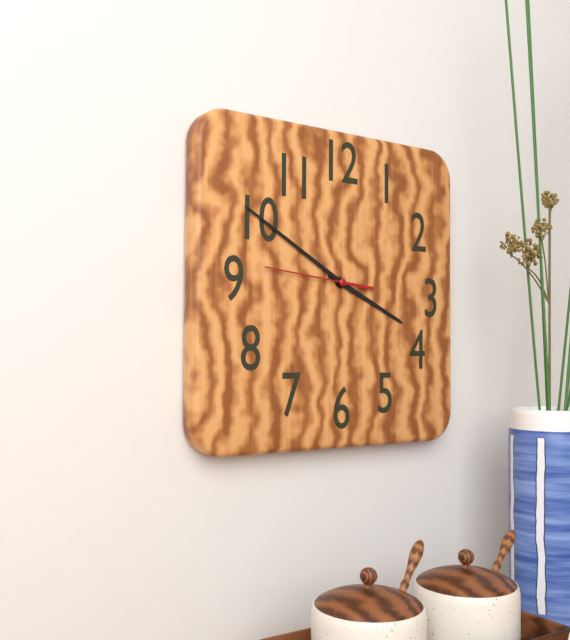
3:50:46
